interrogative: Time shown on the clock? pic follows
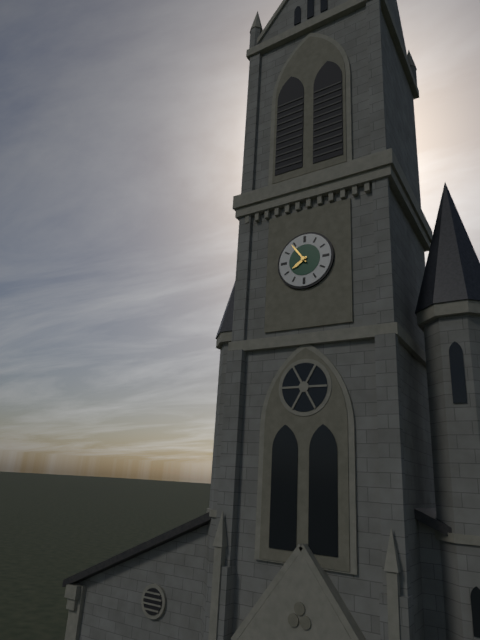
7:54
